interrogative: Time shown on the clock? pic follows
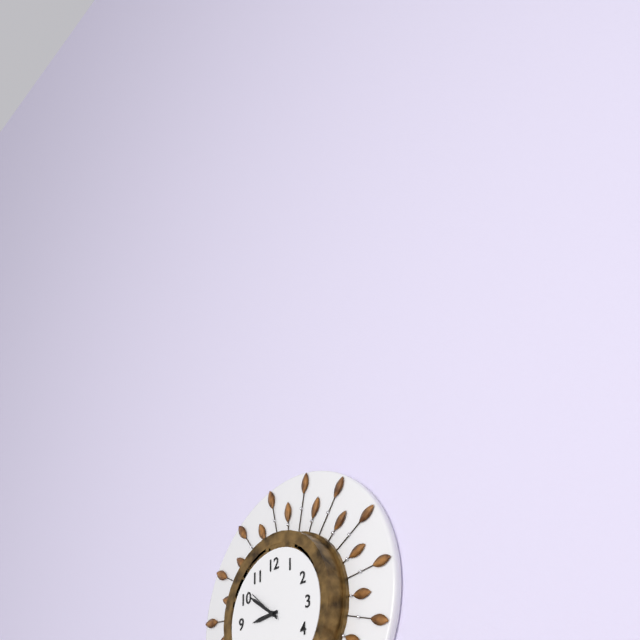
8:51
